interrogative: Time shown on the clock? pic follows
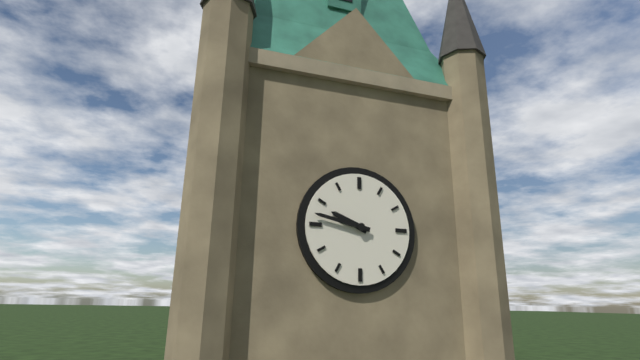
9:47
